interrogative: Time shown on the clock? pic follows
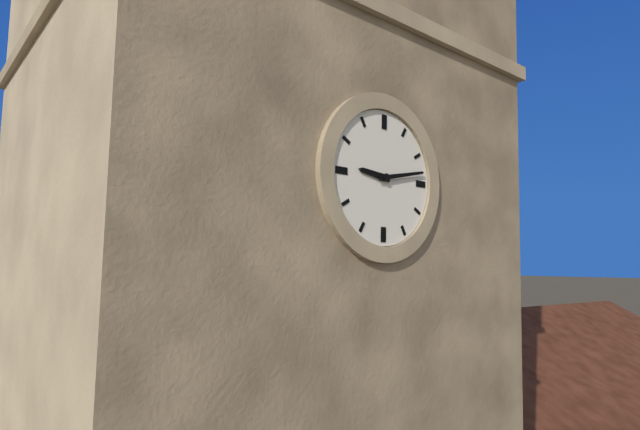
9:13
